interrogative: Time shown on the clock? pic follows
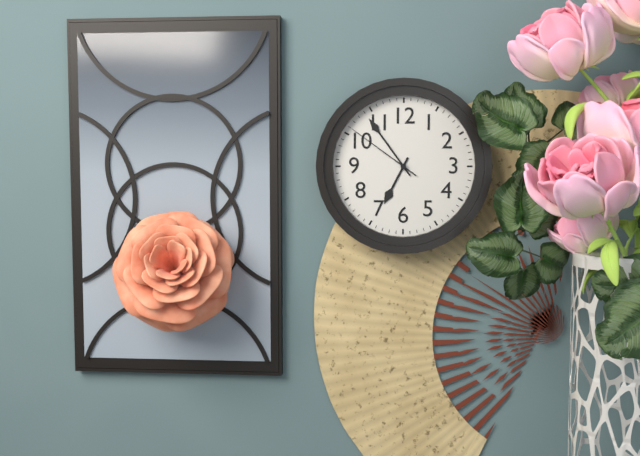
6:54:51
